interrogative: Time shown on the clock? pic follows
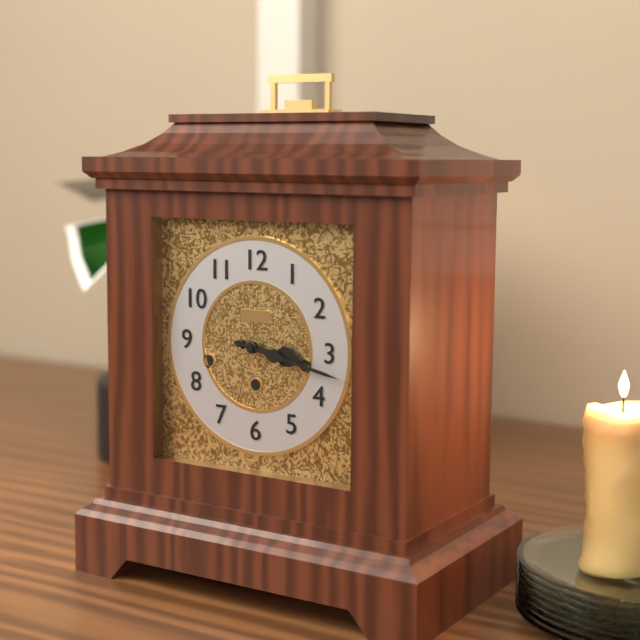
3:17
